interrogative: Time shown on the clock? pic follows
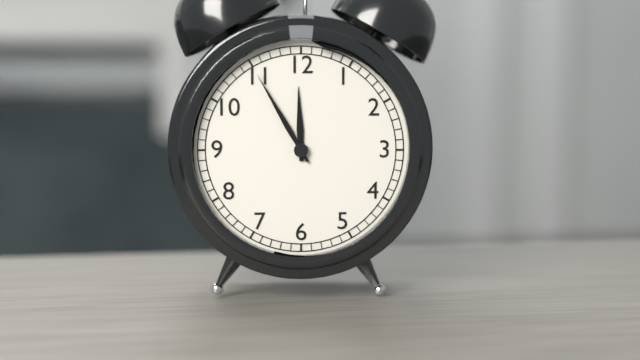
11:55
